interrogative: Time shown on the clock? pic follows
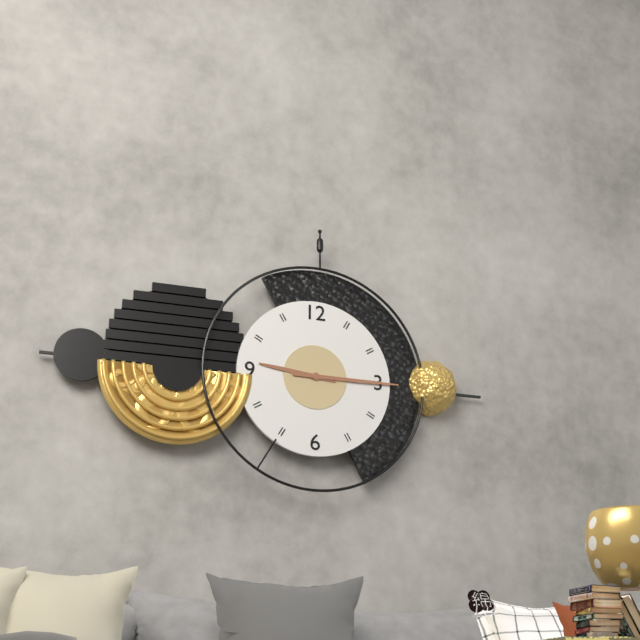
9:15
